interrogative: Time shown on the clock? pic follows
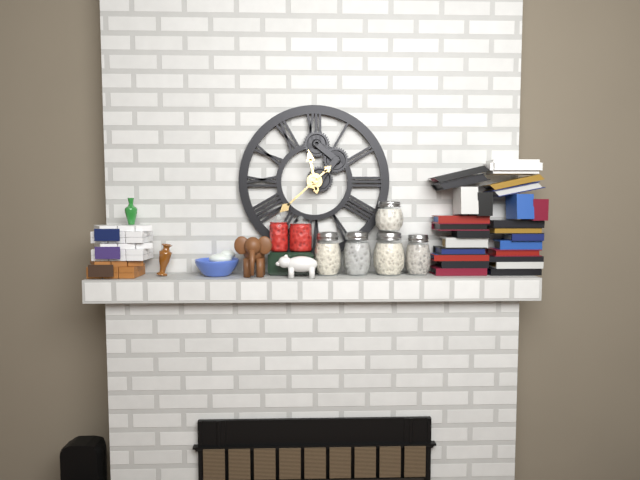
11:38
